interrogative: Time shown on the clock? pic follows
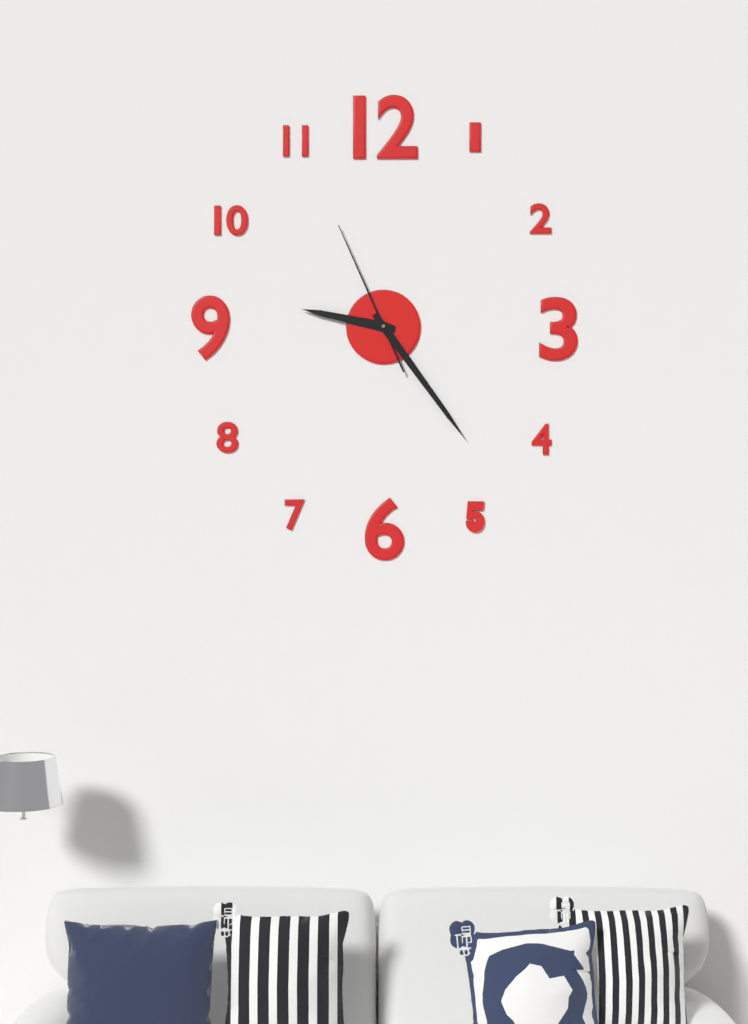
9:24:56
